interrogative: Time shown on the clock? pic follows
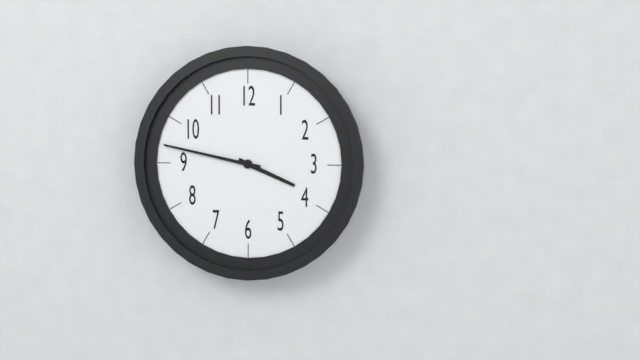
3:47
